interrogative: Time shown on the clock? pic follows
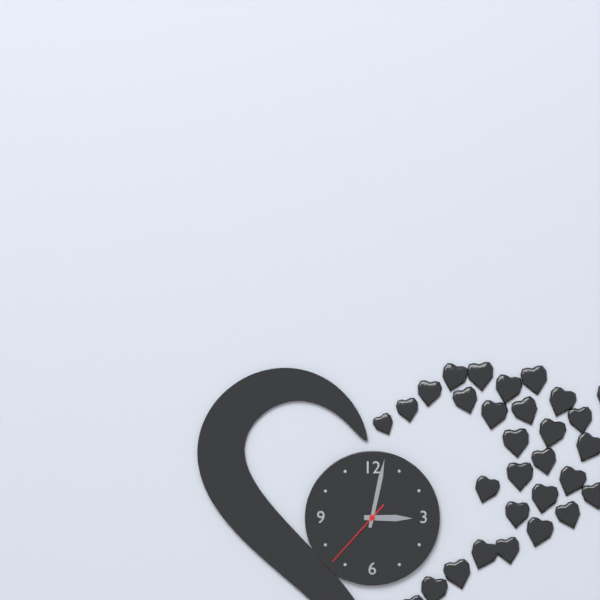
3:02:37
